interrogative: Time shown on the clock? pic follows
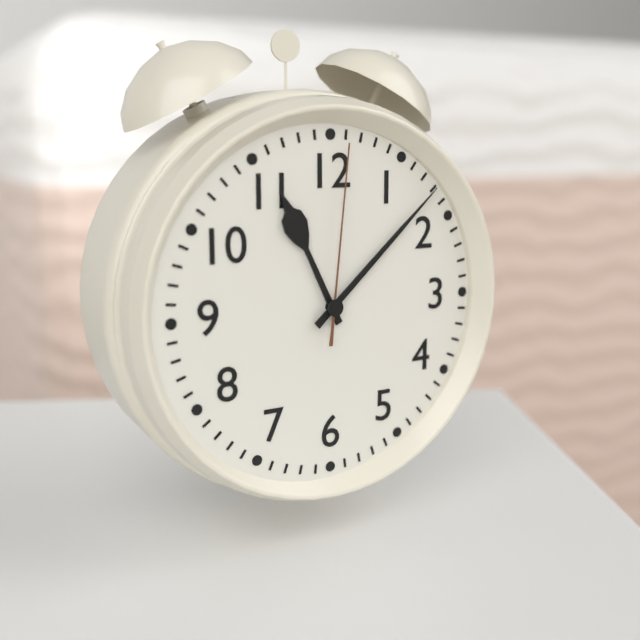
11:08:01
